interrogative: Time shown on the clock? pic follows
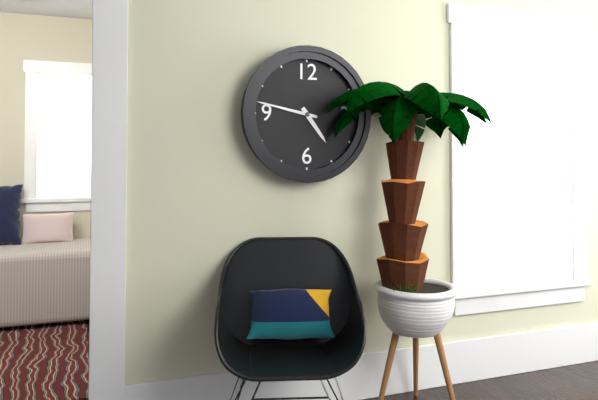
4:47
